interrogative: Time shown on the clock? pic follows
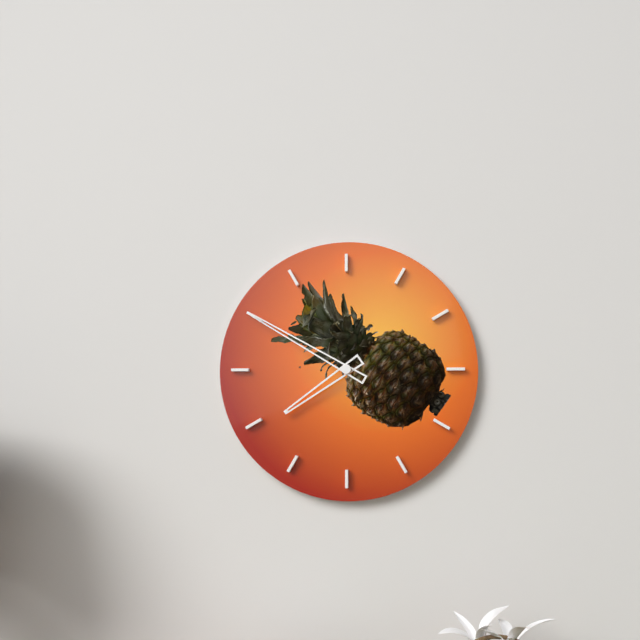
7:50
